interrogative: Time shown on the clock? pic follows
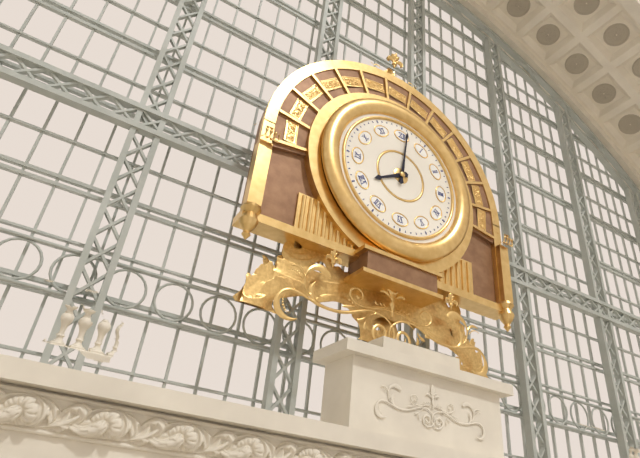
8:01
